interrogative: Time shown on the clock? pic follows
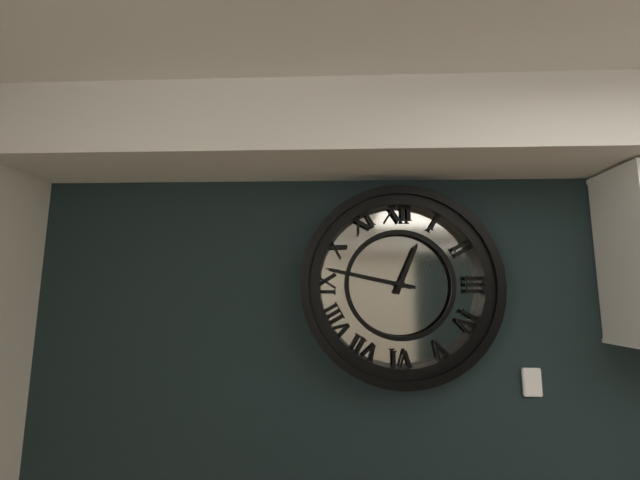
12:47
